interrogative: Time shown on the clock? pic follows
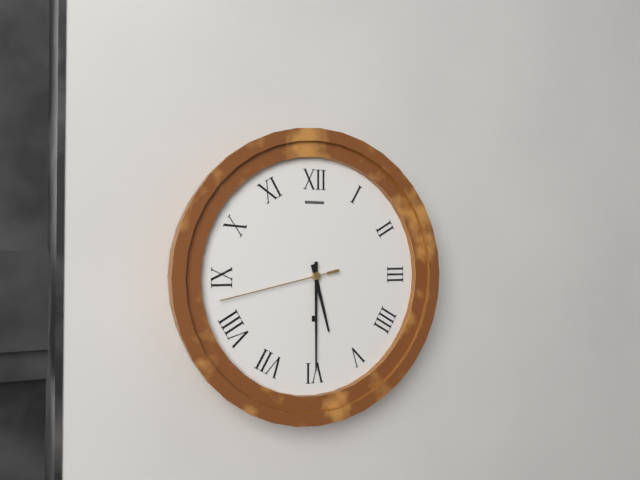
5:30:43
